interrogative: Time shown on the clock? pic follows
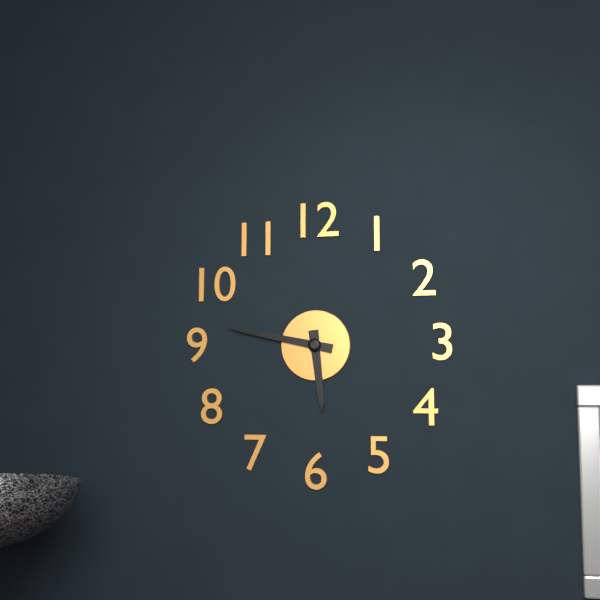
5:47
